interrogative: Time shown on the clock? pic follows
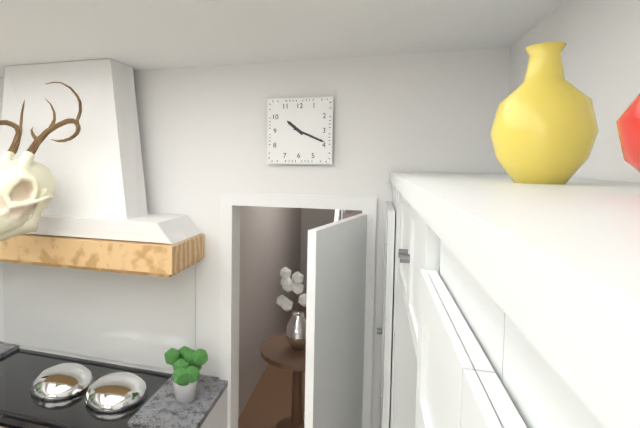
10:19
